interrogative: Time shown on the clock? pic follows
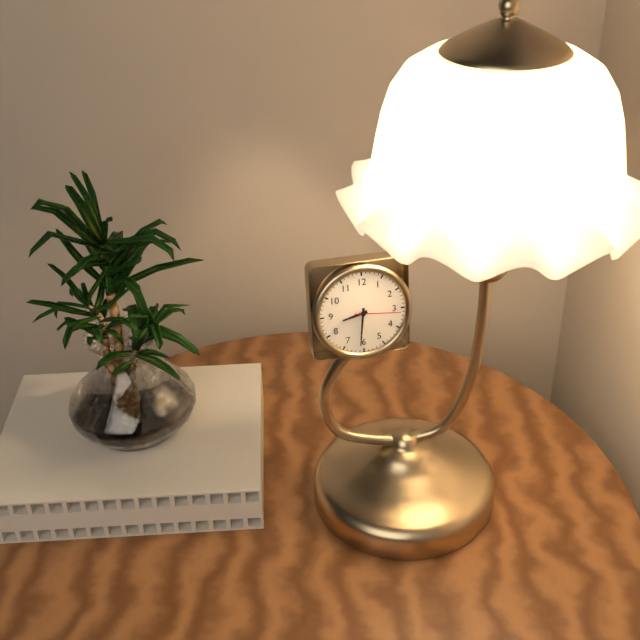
8:31
